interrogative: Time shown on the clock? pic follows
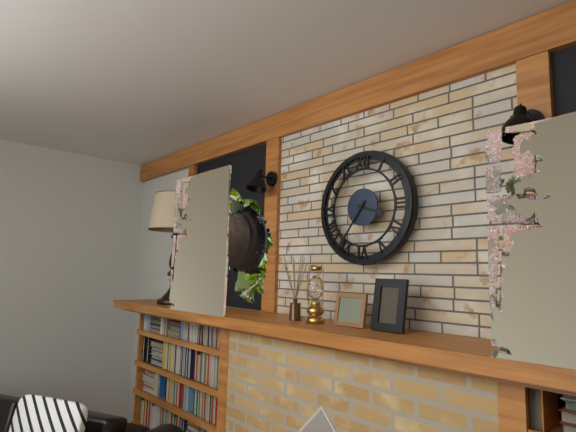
3:36
